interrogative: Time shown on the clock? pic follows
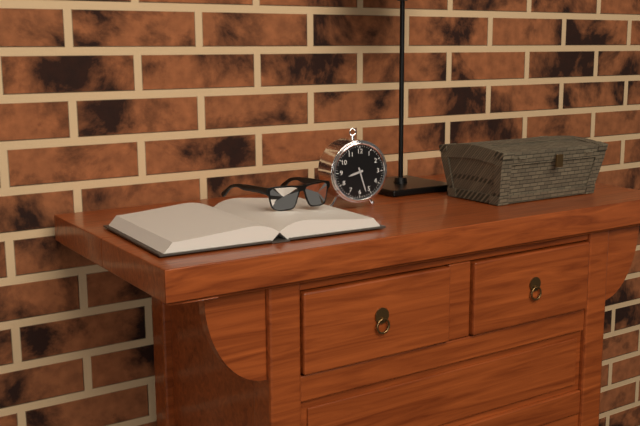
8:27
